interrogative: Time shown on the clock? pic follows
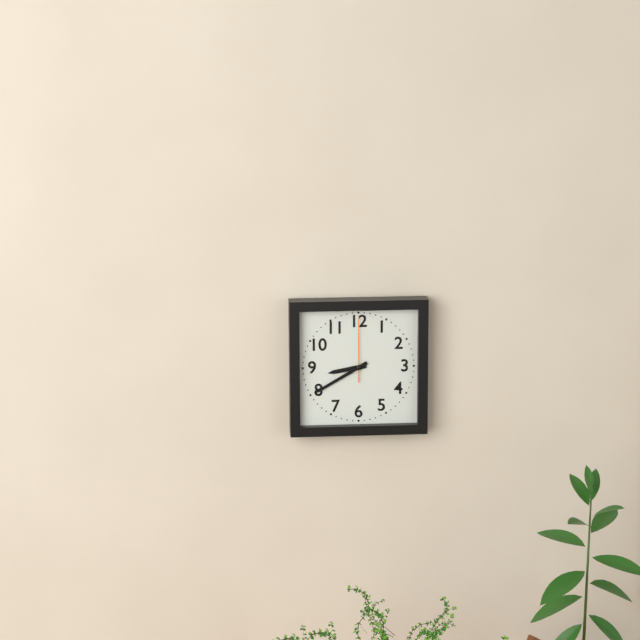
8:40:00
